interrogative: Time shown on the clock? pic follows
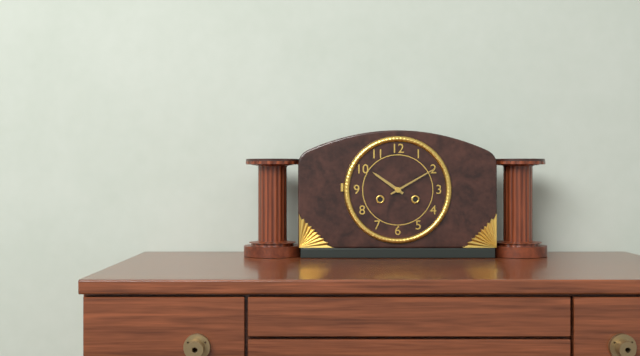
10:10
